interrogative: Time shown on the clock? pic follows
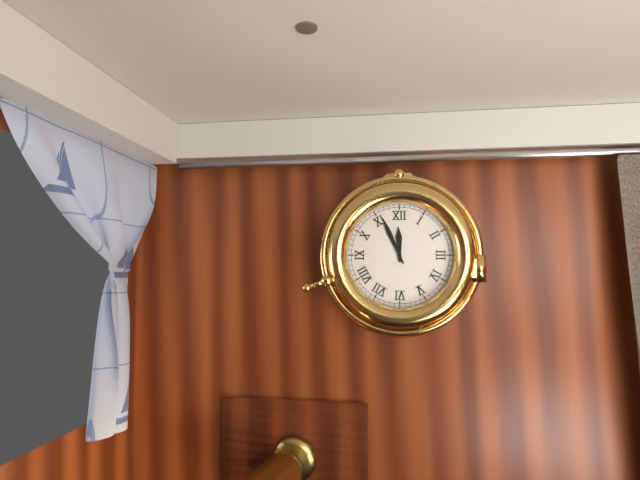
11:56
